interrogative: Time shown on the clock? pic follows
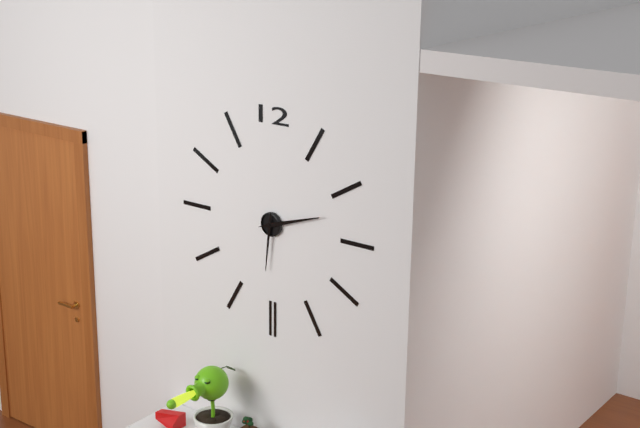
6:12
